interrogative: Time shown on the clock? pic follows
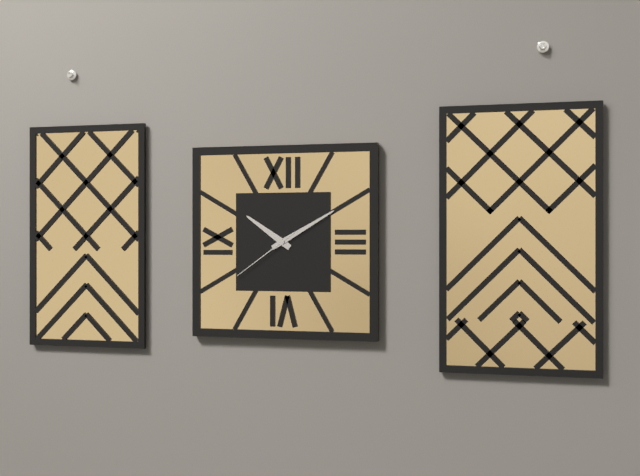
10:10:39
